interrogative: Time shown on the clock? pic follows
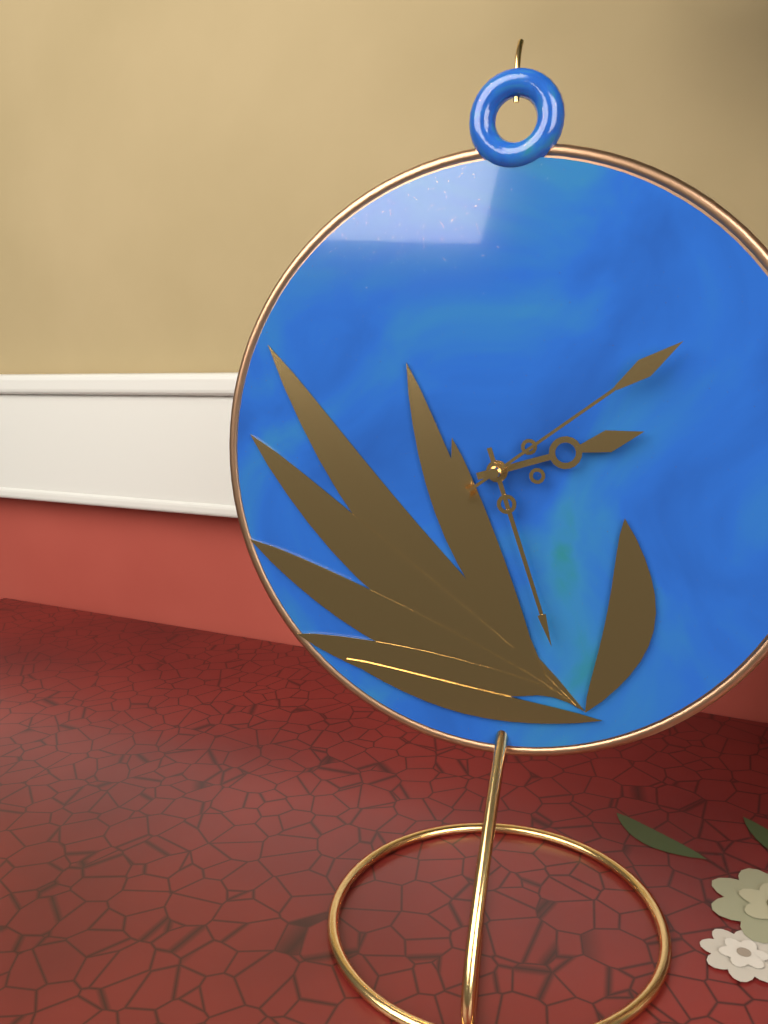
2:27:09
